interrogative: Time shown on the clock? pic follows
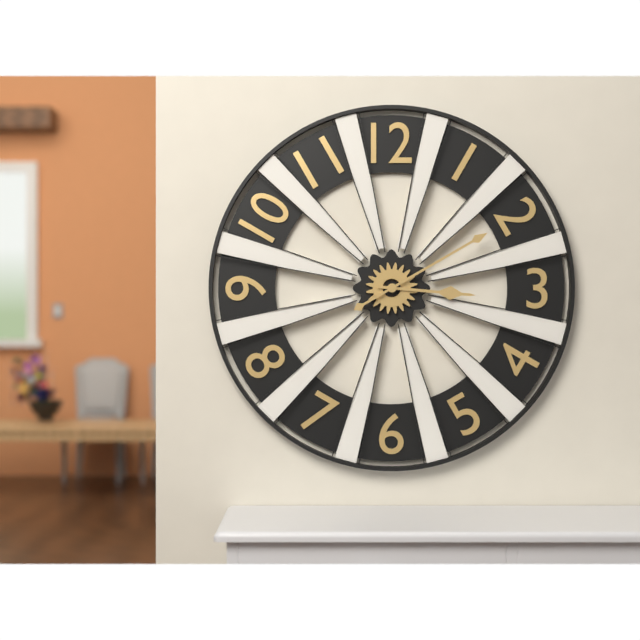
3:10
